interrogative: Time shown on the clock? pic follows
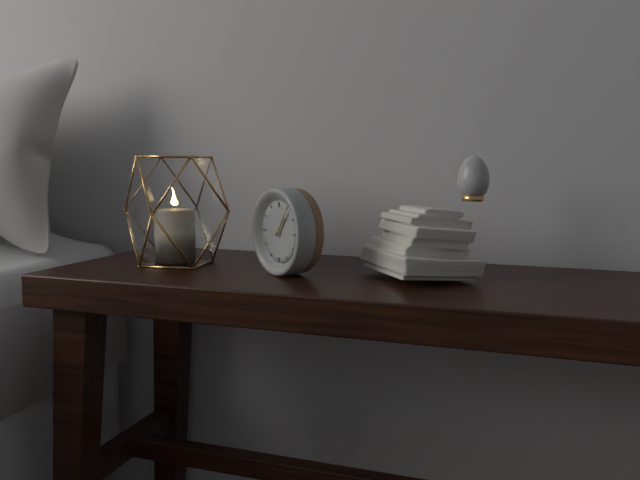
1:06
